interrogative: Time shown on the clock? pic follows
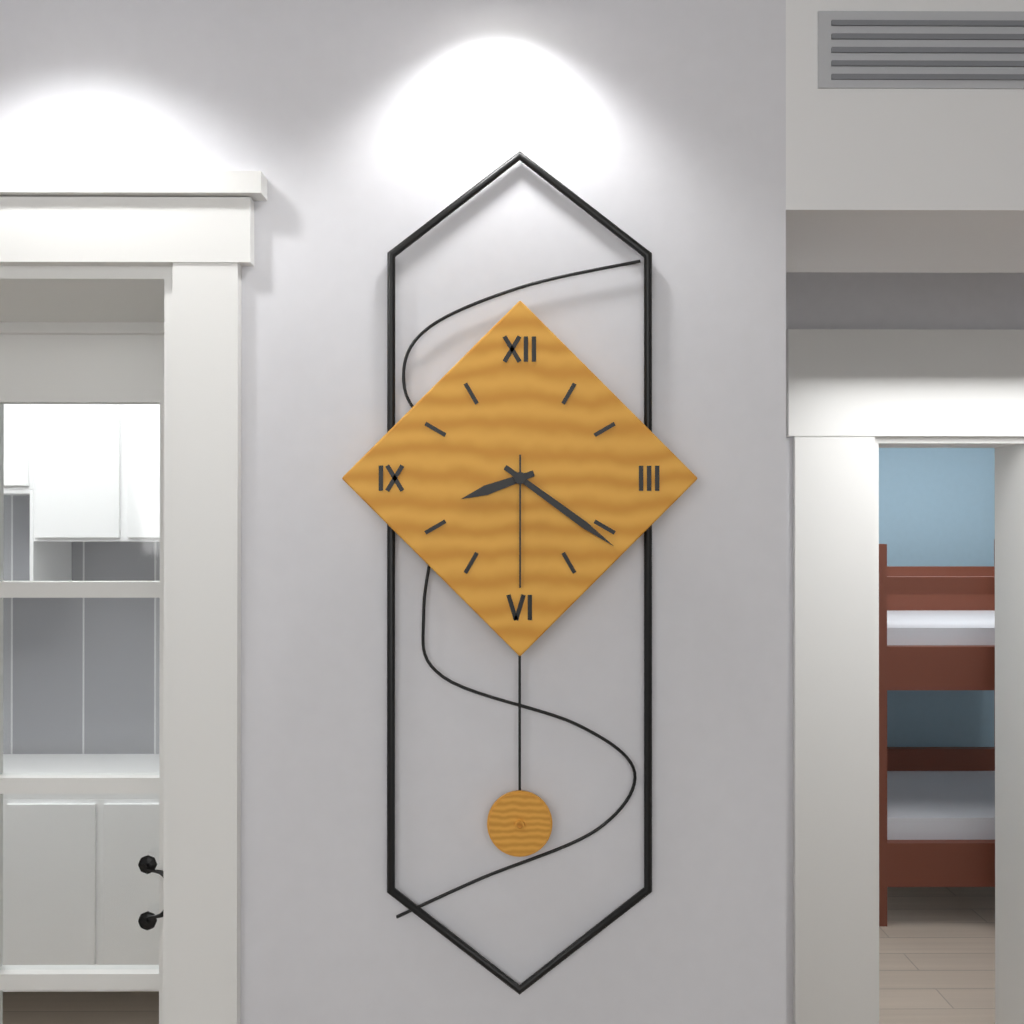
8:21:30
